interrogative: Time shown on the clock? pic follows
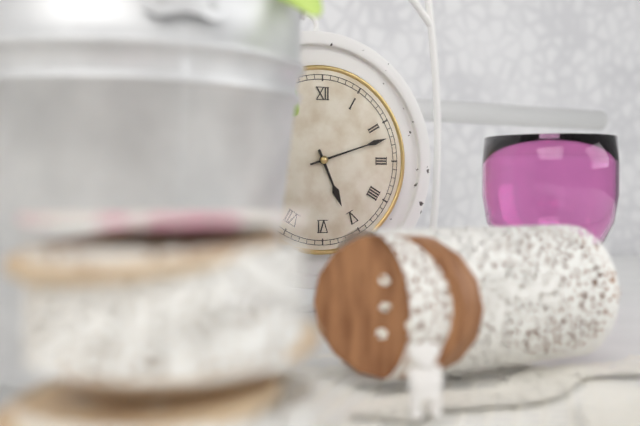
5:12
